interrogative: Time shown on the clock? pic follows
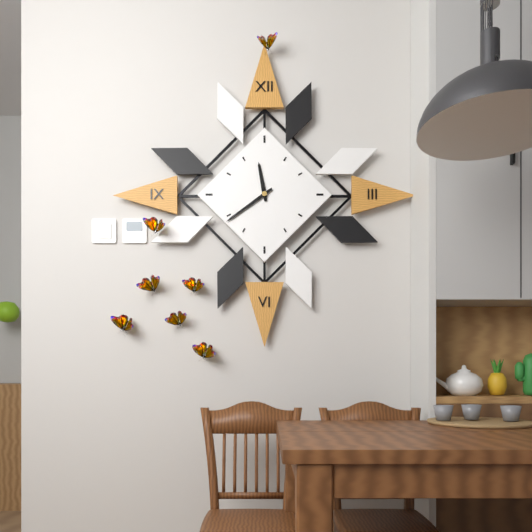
11:39
